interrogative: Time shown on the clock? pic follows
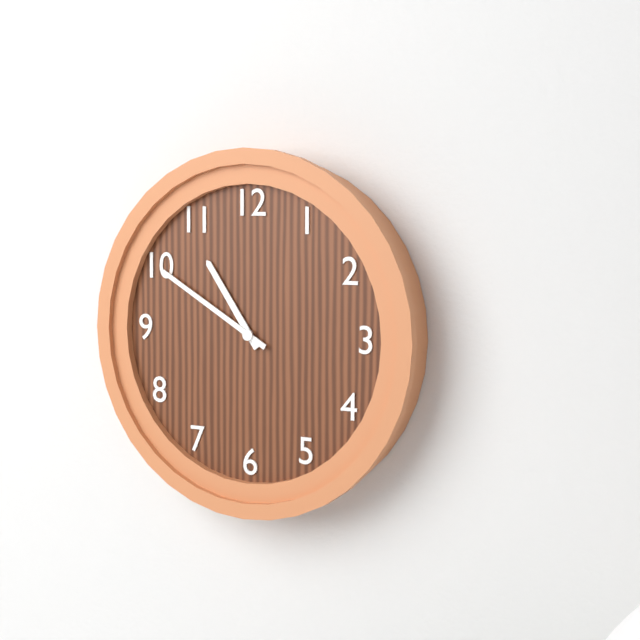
10:50
